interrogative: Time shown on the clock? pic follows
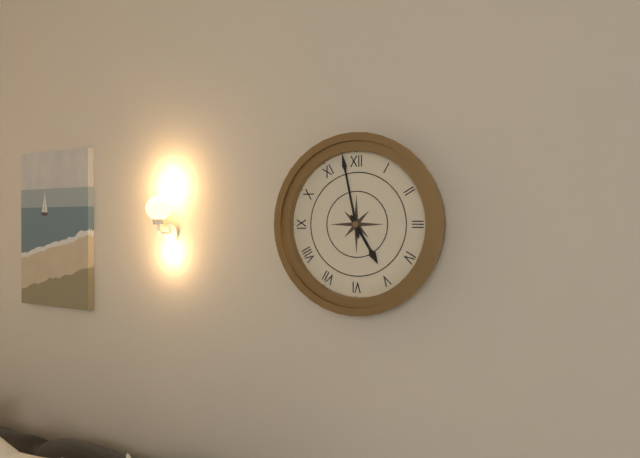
4:58
